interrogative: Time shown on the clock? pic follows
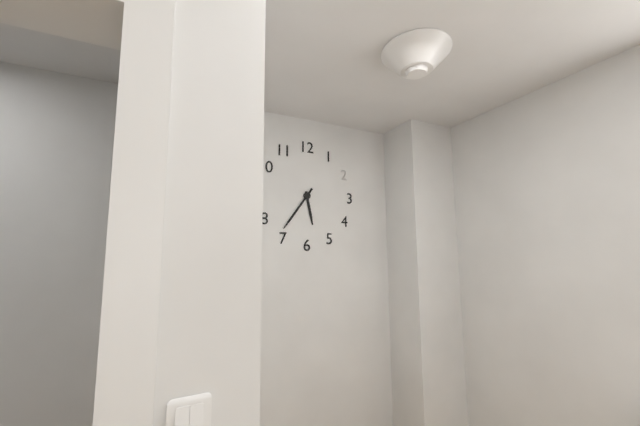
5:36
